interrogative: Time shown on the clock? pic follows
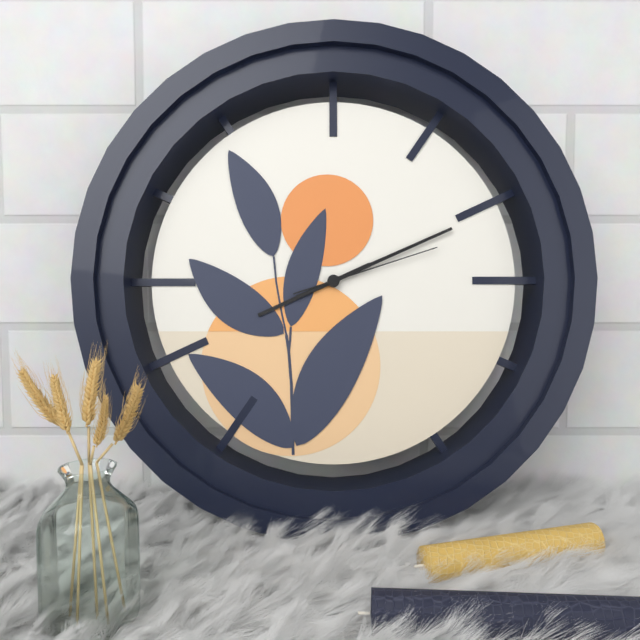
8:11:12
